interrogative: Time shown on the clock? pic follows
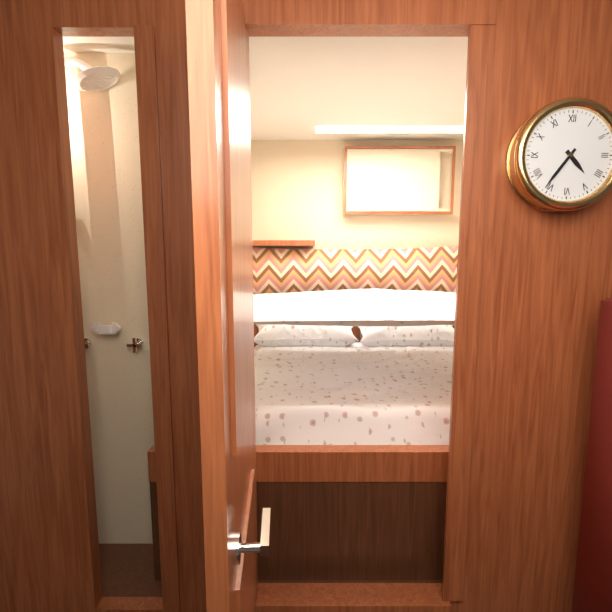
4:36
